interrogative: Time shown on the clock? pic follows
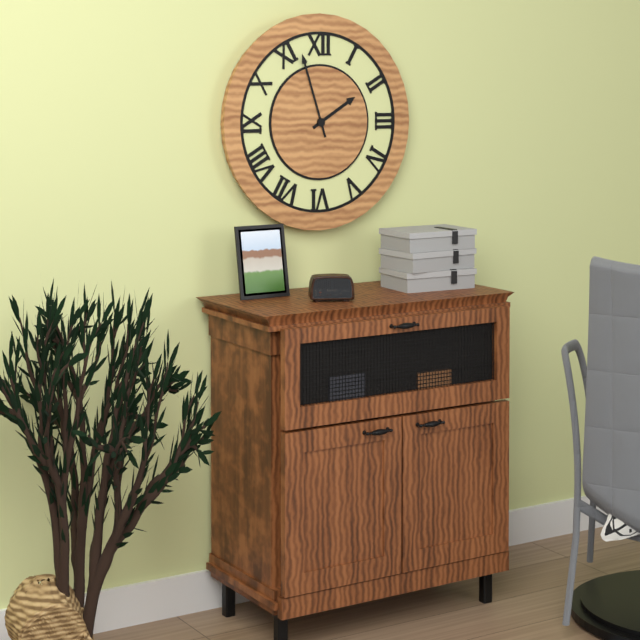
1:57
